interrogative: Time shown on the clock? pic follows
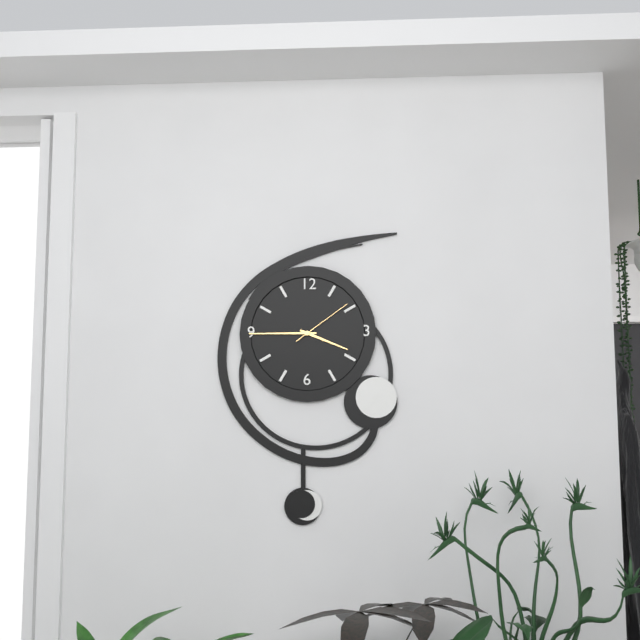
3:45:09
